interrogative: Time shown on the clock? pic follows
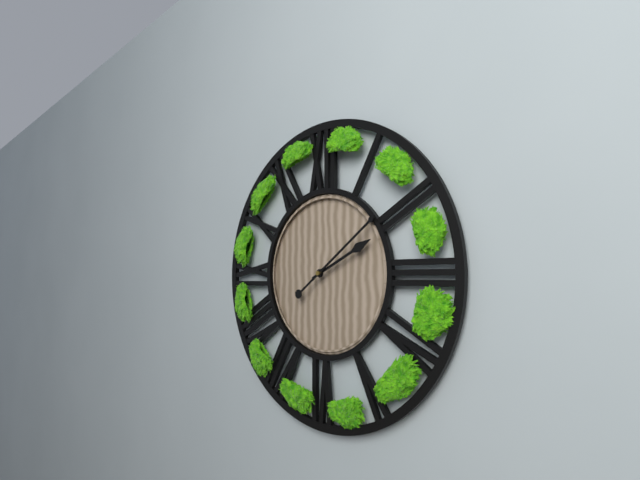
2:09
